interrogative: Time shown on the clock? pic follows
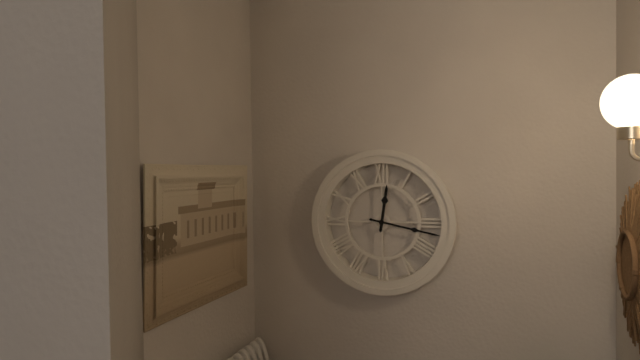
12:17
